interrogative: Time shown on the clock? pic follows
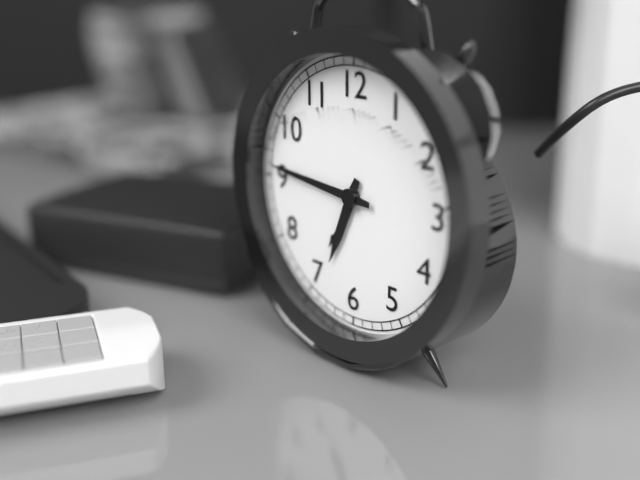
6:46
